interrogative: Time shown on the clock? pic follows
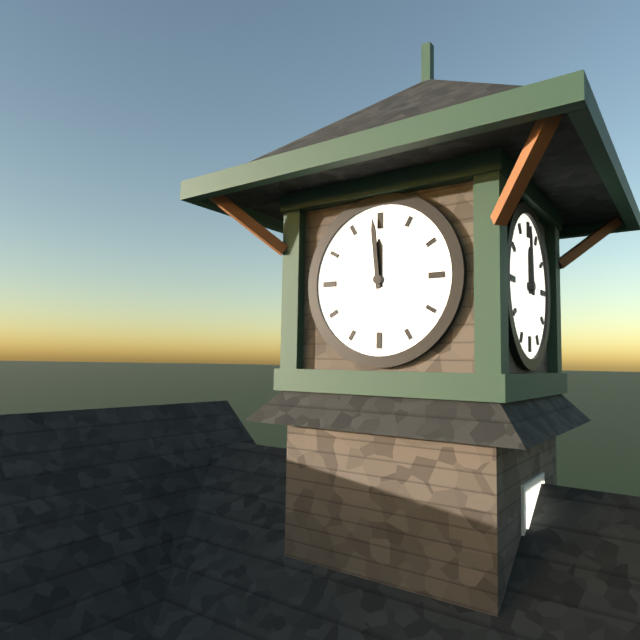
11:59
